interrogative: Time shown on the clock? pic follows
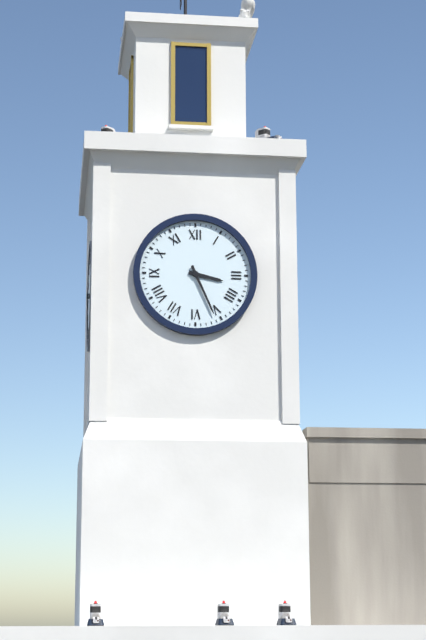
3:26
